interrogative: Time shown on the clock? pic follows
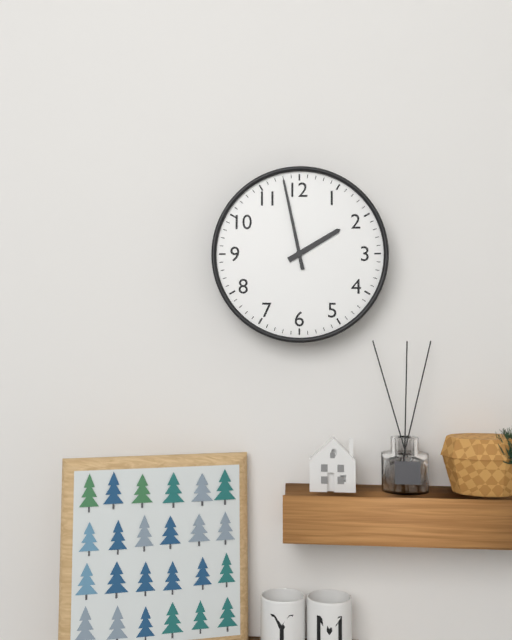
1:58
